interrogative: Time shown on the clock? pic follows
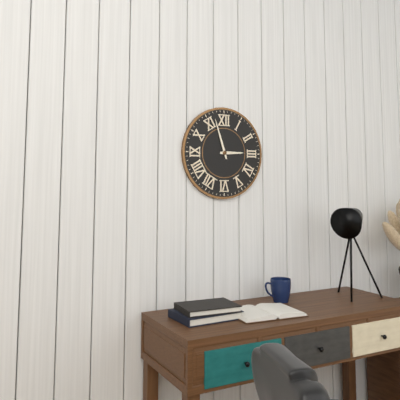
2:57
